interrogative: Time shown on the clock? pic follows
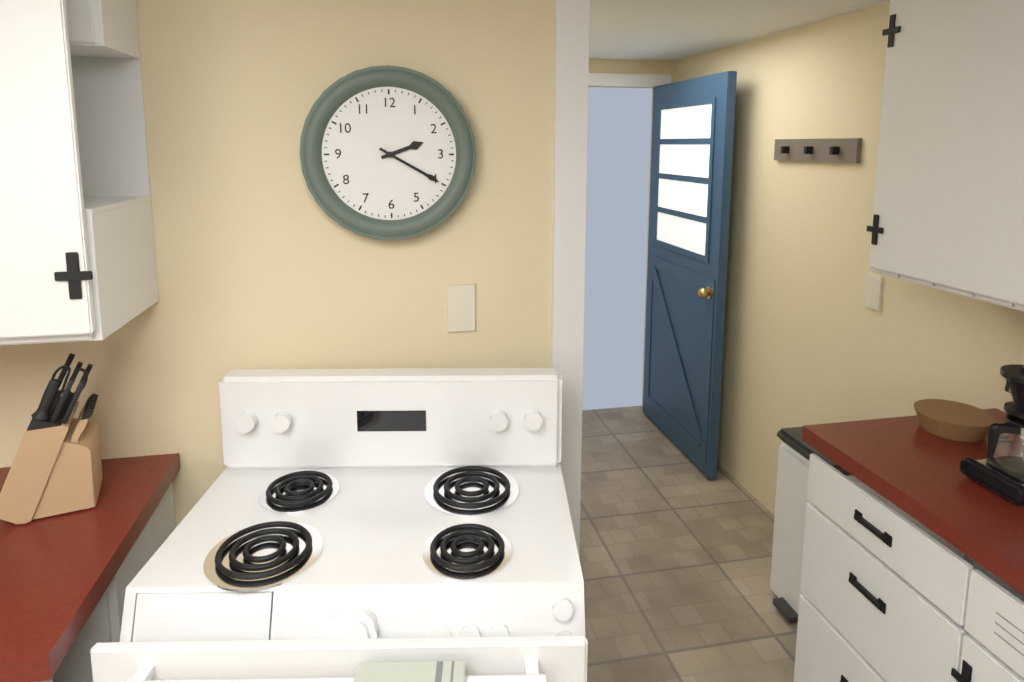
2:20
